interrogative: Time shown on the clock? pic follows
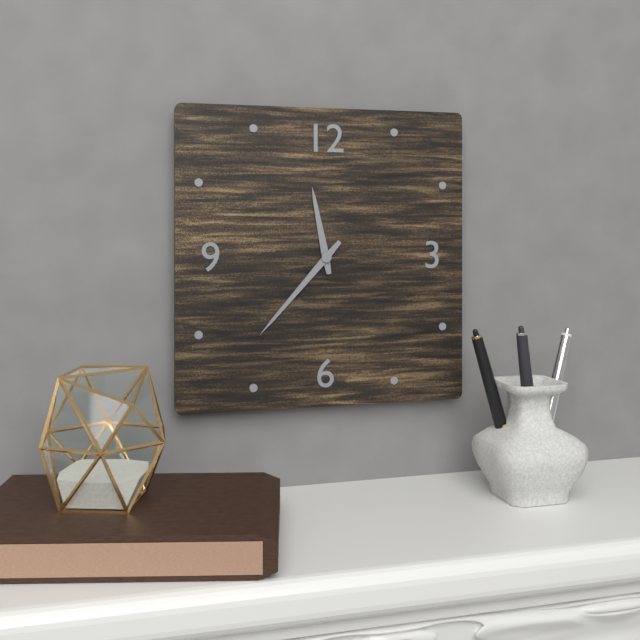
11:37
